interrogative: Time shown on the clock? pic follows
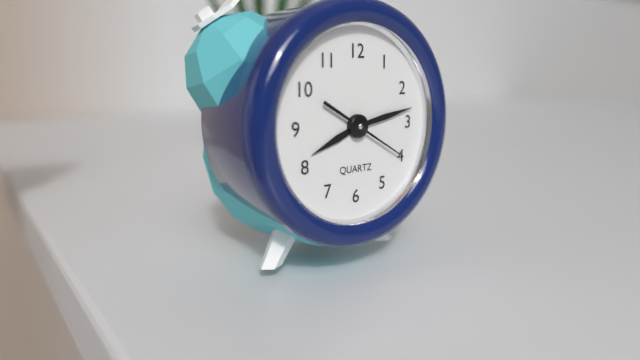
8:13:20
